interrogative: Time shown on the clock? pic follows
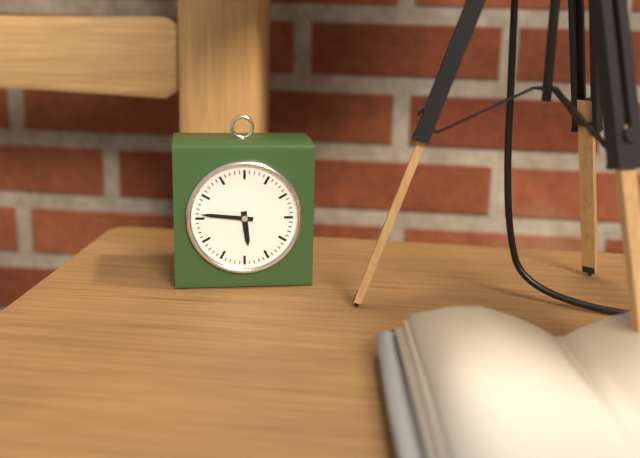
5:46
